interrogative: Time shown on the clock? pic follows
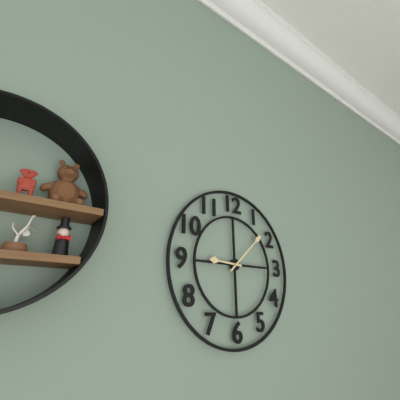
9:08
